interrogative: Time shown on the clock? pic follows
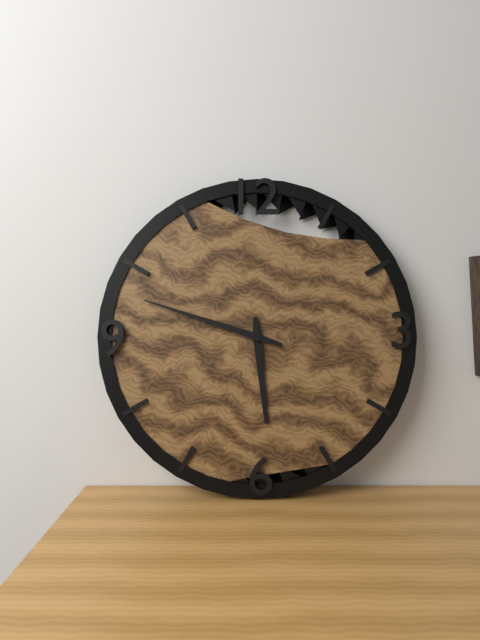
5:48
